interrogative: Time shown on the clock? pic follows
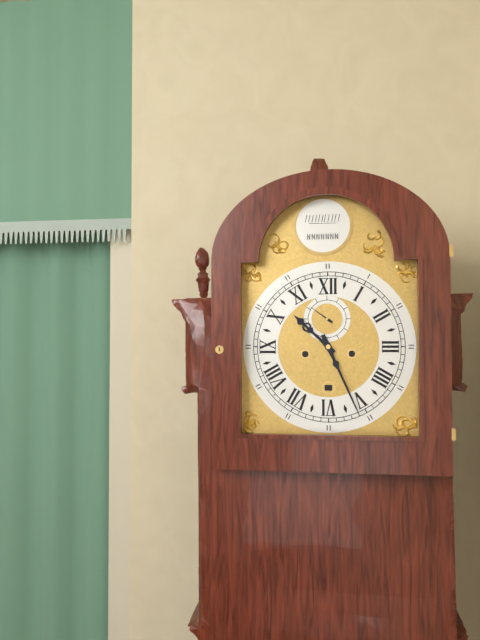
10:26
